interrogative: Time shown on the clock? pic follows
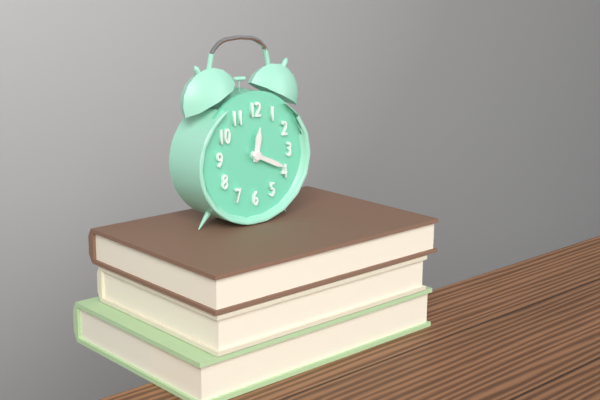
12:19
